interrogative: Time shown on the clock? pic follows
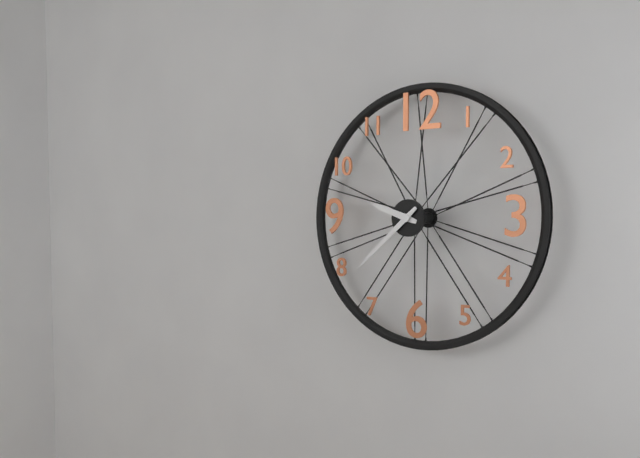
9:38
